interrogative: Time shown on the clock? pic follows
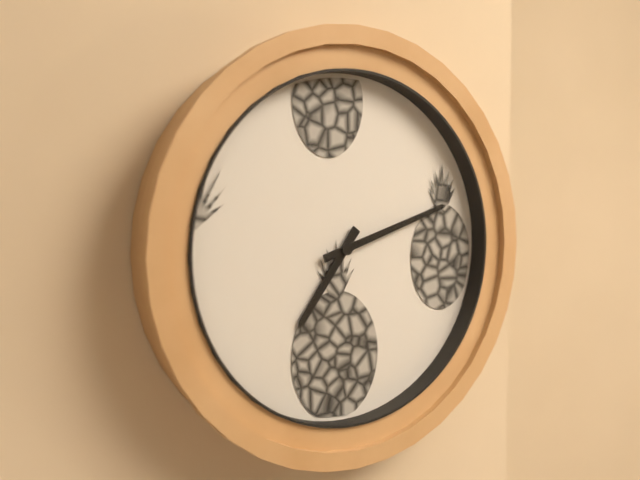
7:12
